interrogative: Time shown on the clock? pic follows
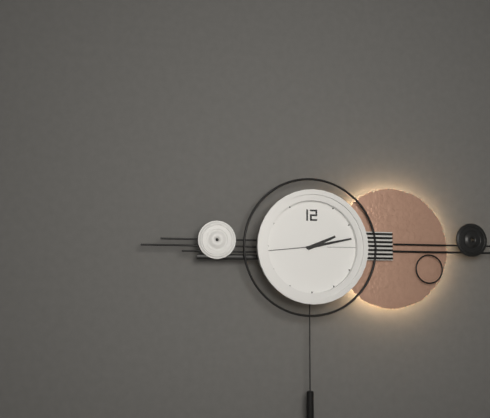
2:13:44
